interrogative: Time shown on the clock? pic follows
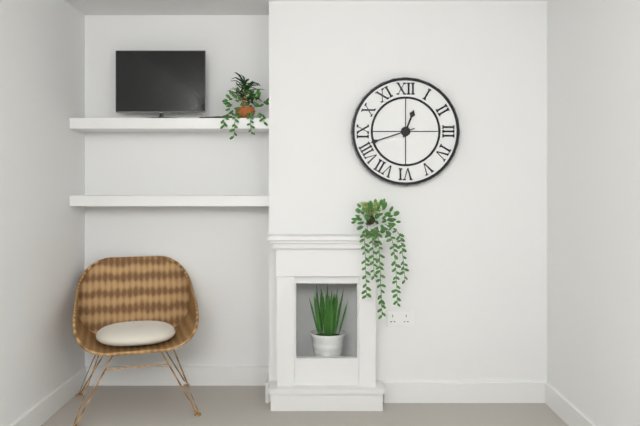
12:42
